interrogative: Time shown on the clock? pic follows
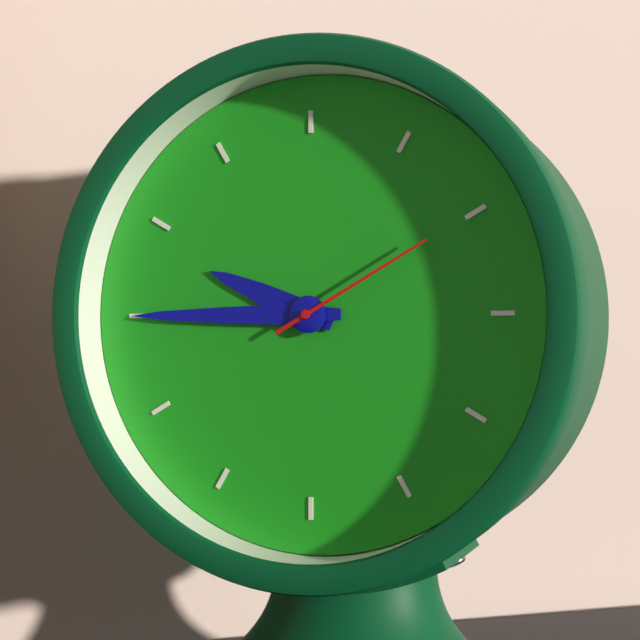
9:45:10
